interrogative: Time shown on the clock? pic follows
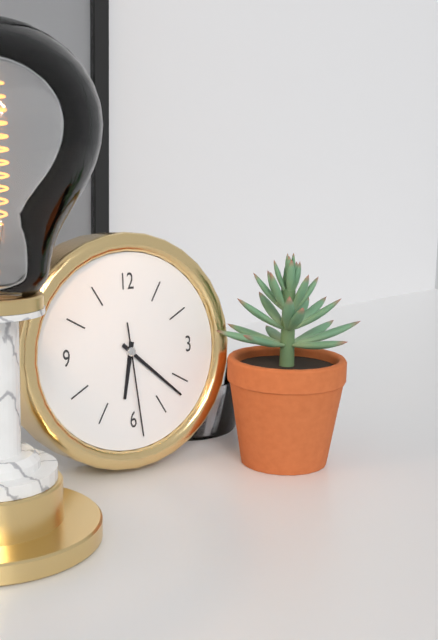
6:22:29
